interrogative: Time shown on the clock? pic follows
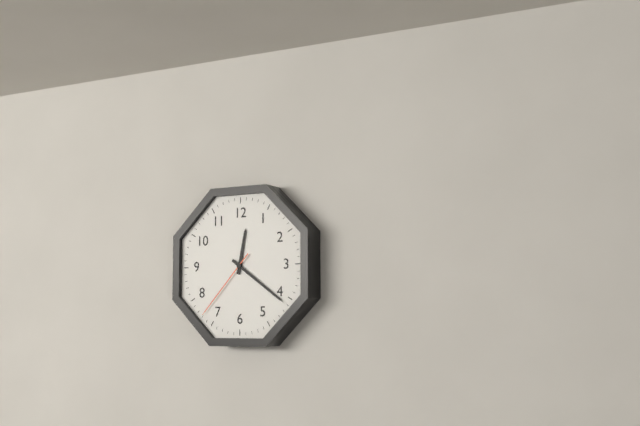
12:21:37
